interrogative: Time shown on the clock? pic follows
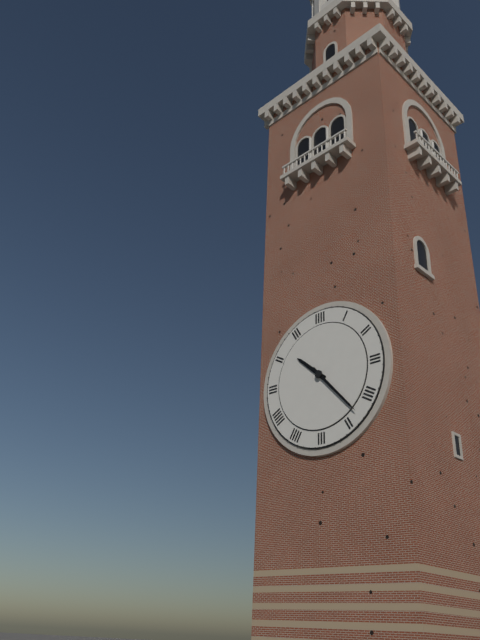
10:23
